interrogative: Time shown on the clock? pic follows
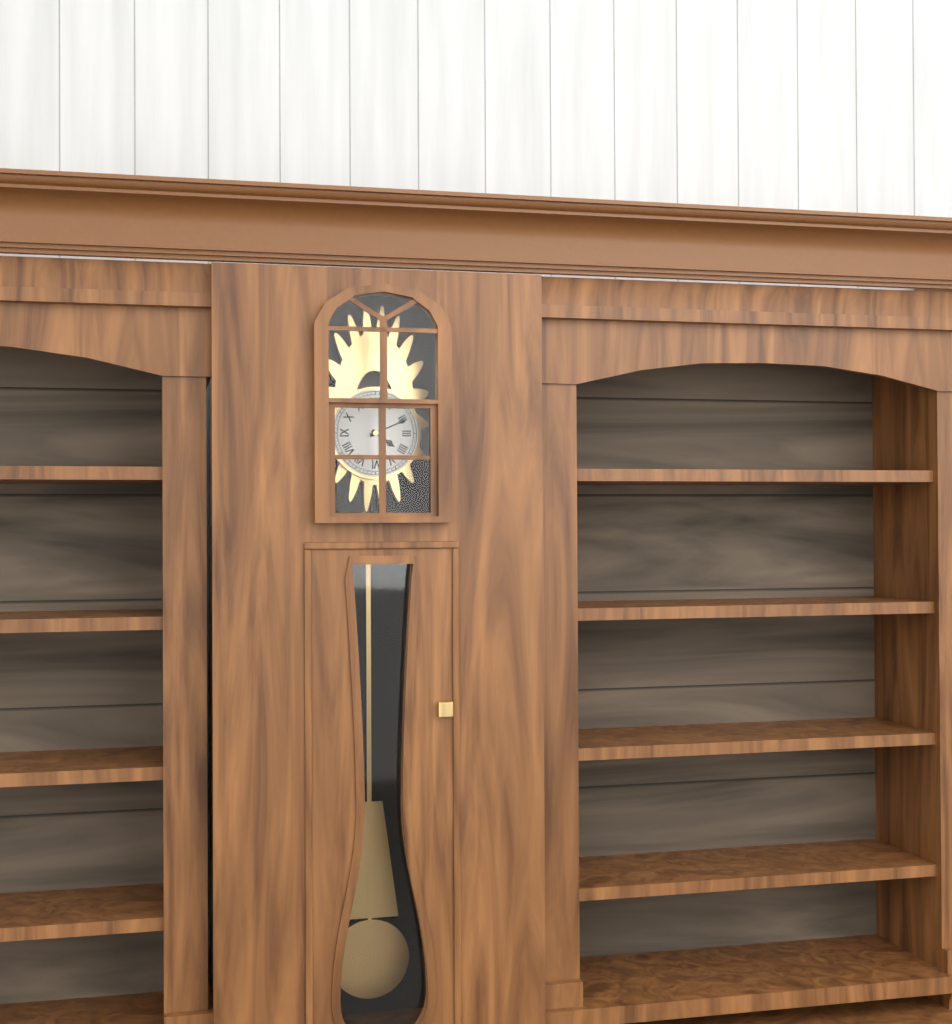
4:11
